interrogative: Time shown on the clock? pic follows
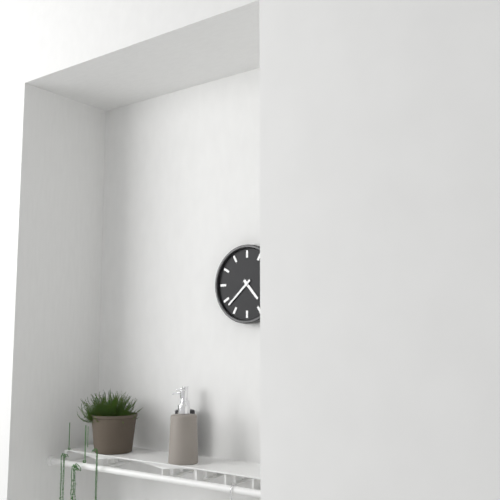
4:38
